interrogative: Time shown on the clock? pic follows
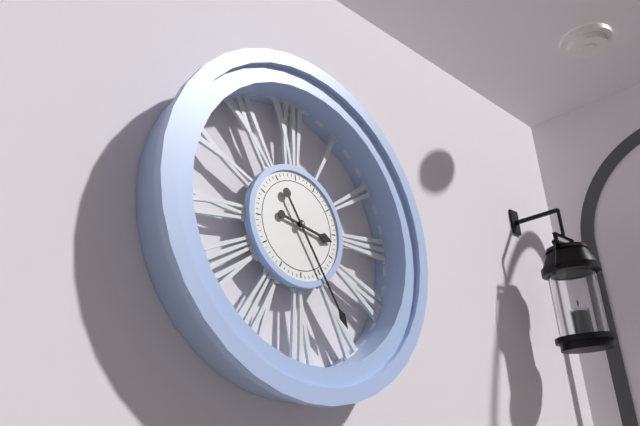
3:25
